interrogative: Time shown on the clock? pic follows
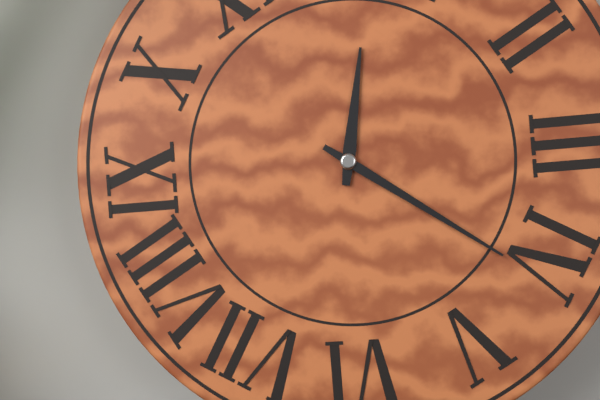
12:21
